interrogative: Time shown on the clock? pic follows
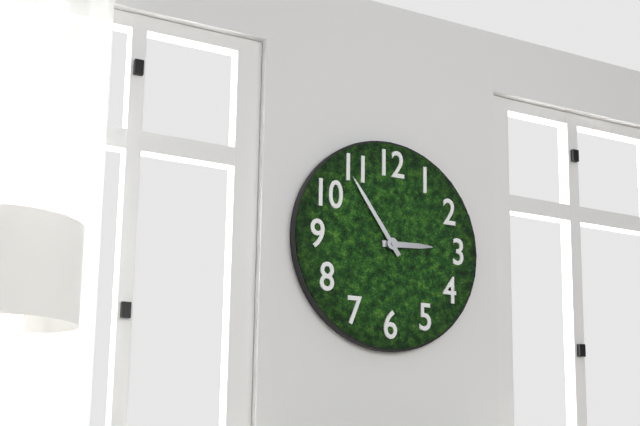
2:54
